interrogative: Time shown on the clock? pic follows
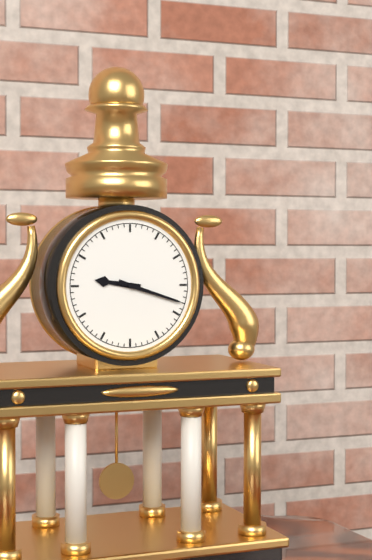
9:18
